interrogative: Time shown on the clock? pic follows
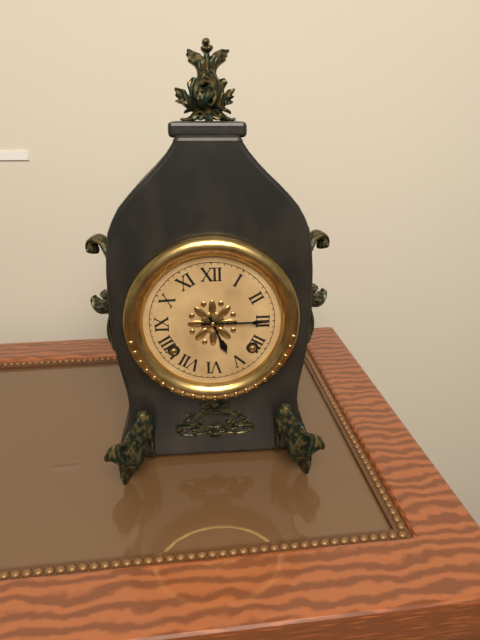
5:15
